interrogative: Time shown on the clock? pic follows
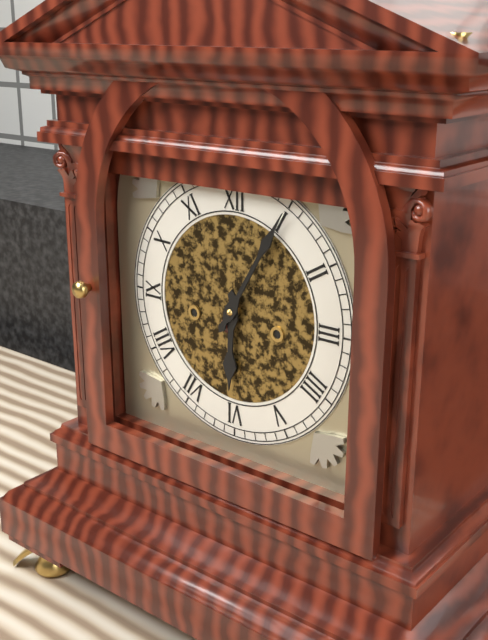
6:05
